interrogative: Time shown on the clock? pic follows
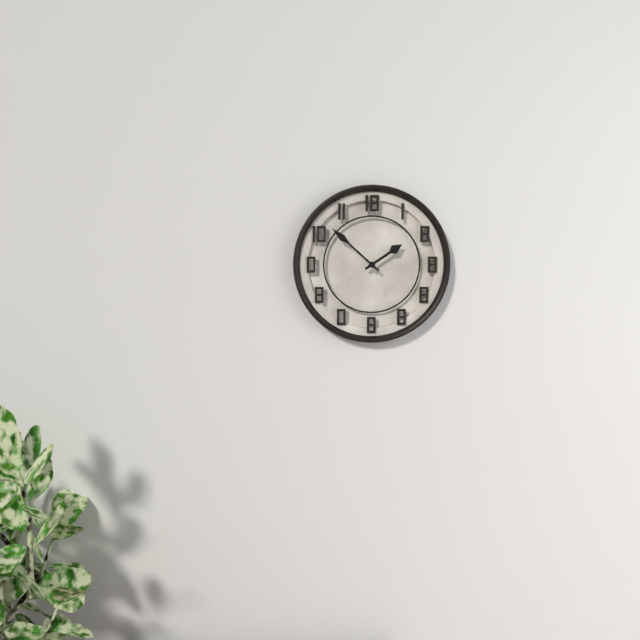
1:52
